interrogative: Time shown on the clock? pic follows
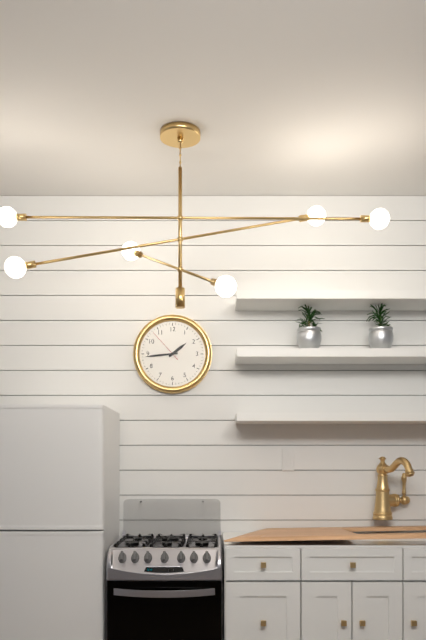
1:44
